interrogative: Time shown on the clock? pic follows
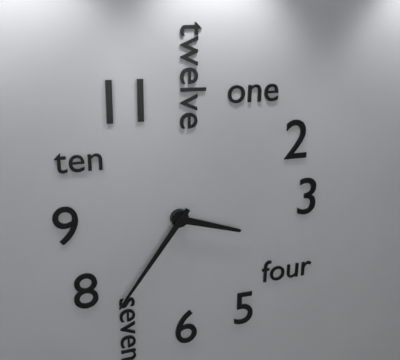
3:36
